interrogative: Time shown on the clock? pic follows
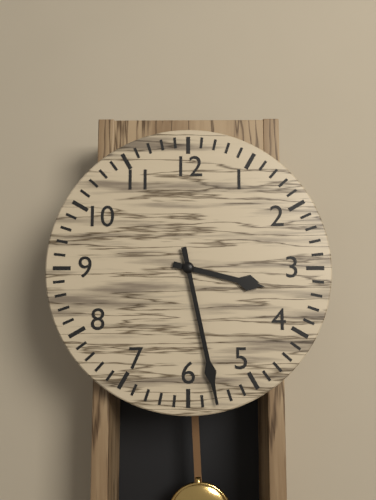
3:28
